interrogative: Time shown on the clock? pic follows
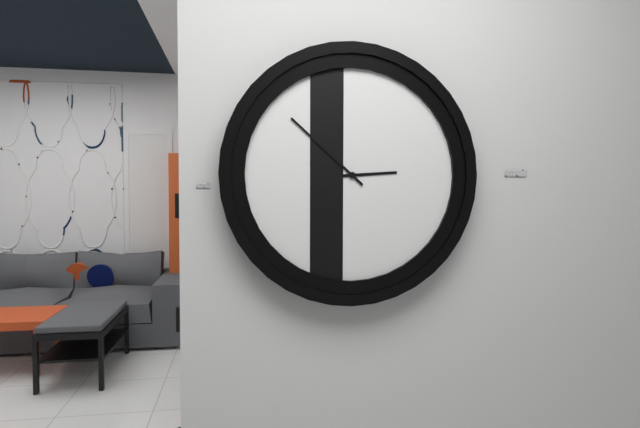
2:52
